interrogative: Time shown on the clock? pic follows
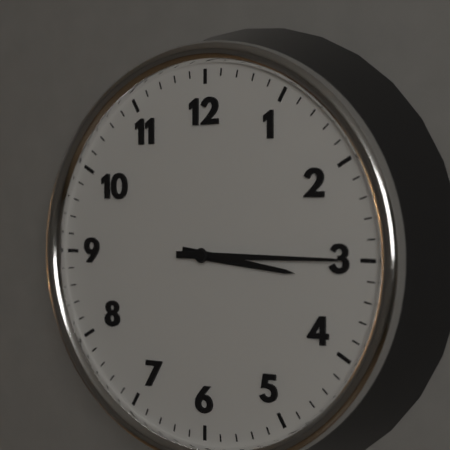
3:15
